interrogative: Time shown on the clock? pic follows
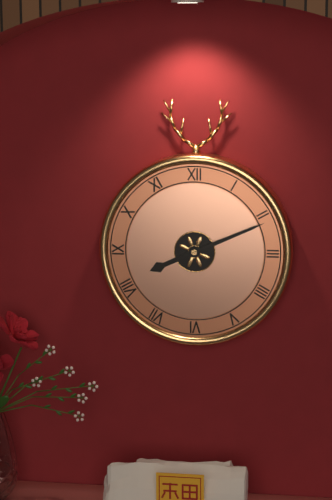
8:11
